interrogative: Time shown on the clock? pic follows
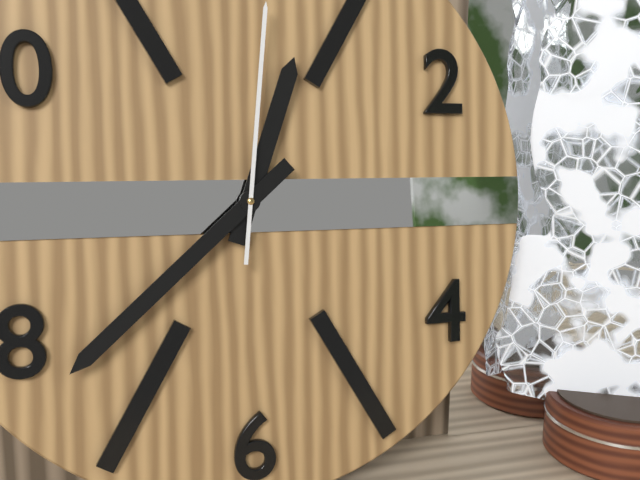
12:38:01
